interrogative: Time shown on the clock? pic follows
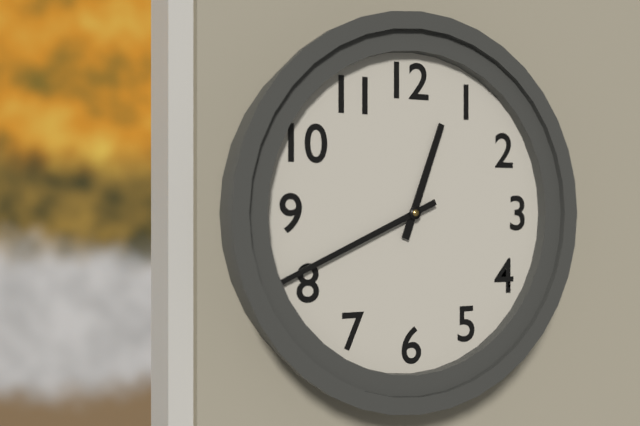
12:41
